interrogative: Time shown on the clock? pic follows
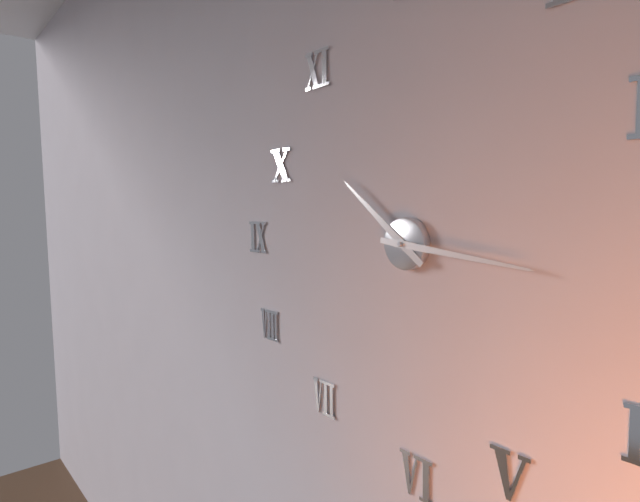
10:16
